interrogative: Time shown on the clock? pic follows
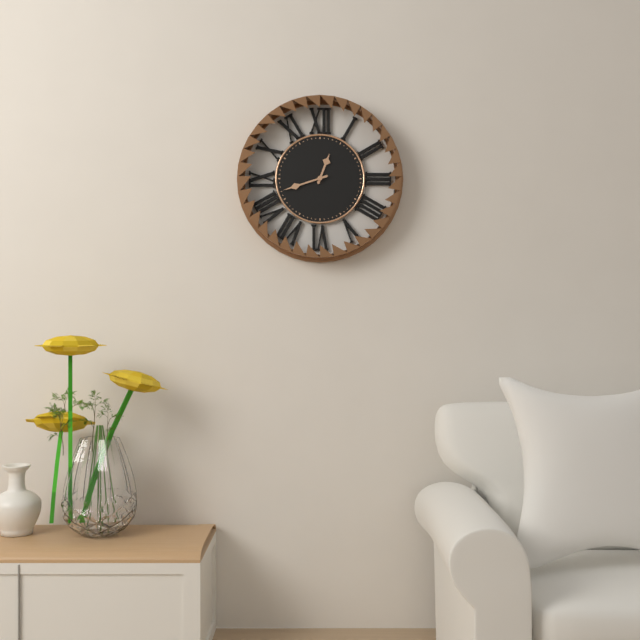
12:42
